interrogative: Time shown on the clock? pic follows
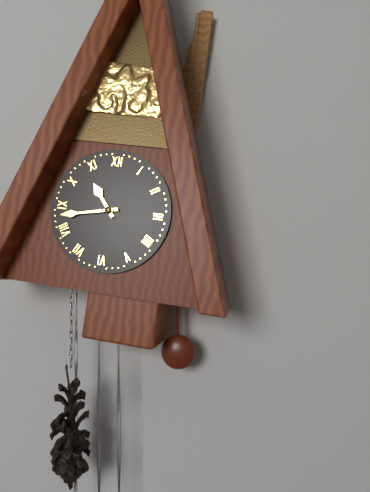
10:43
